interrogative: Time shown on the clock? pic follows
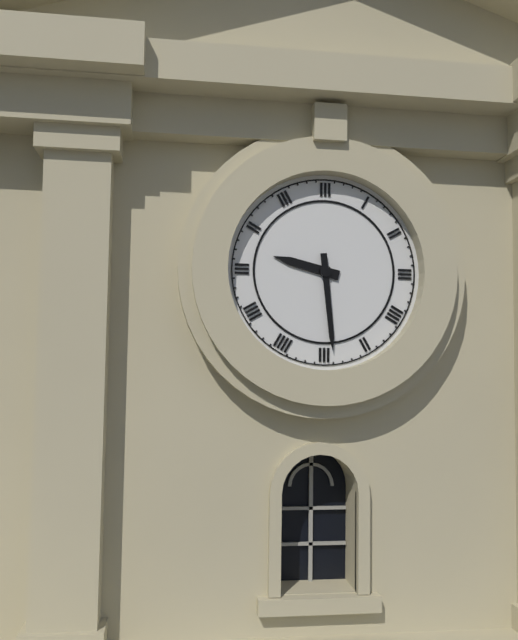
9:29
